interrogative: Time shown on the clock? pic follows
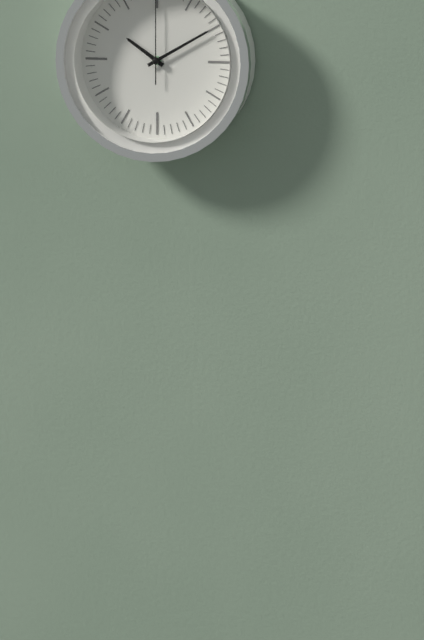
10:10
